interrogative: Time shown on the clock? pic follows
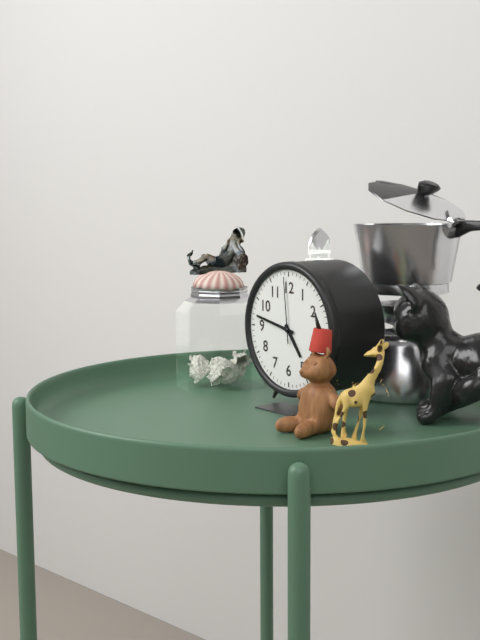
4:47:59
